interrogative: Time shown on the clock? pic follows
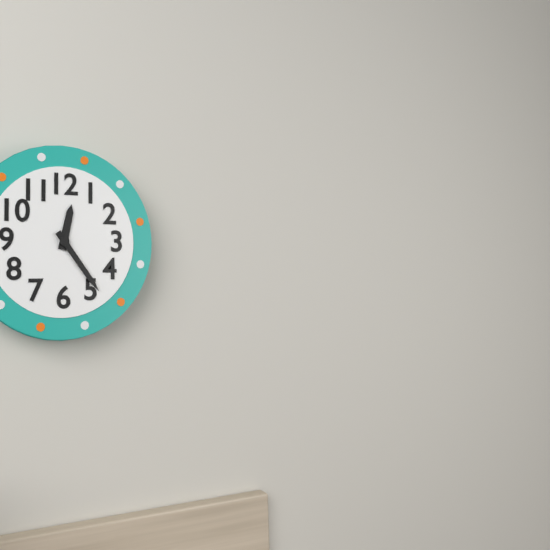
12:24
